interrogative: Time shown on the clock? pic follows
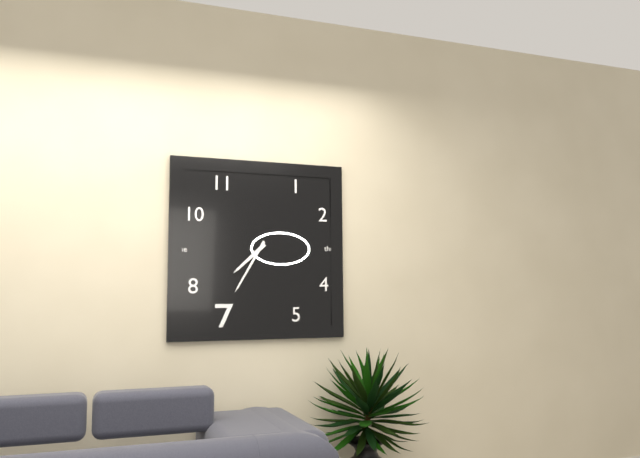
7:35
